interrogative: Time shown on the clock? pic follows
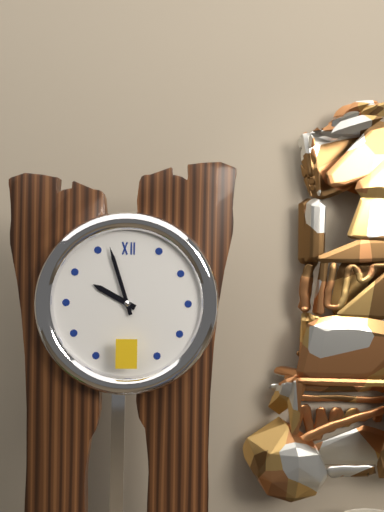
9:57
